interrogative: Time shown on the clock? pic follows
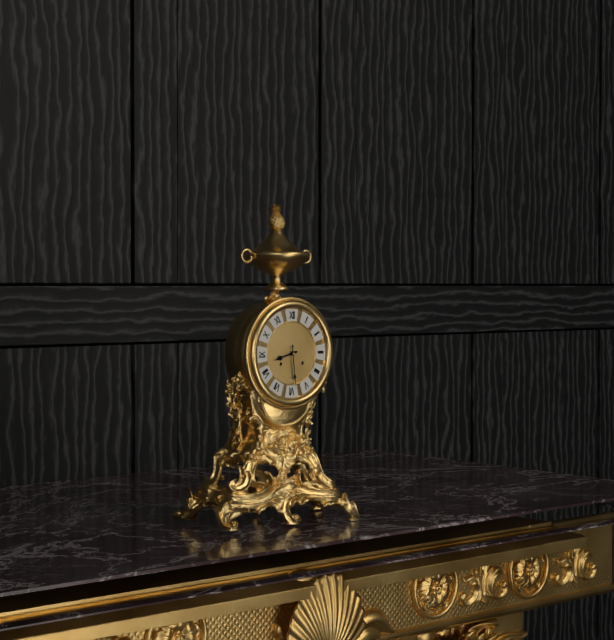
8:29
